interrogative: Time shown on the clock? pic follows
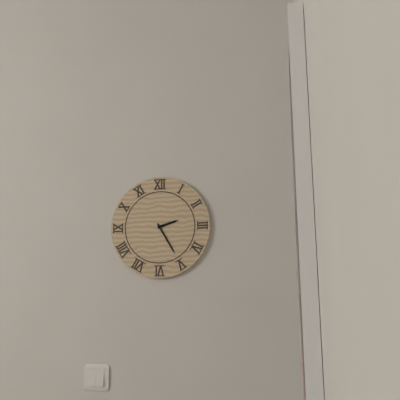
2:25
